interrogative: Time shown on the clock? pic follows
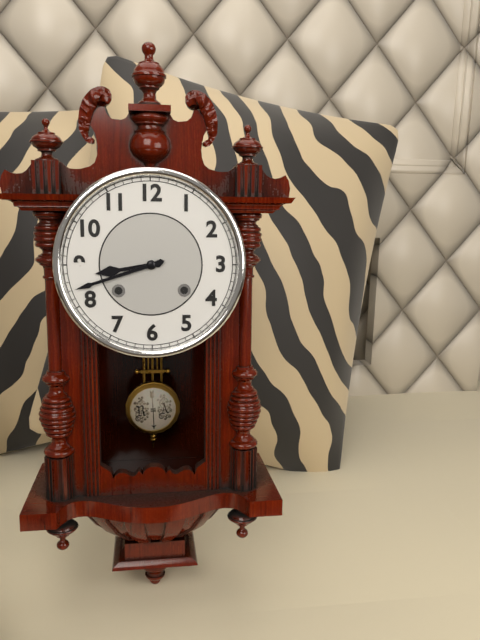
8:42
